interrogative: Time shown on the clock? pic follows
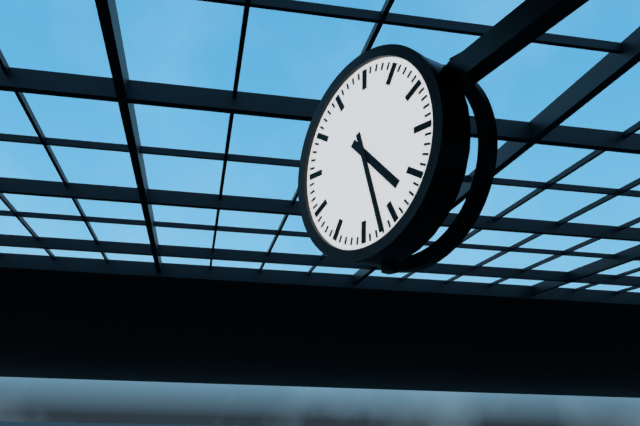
4:27
